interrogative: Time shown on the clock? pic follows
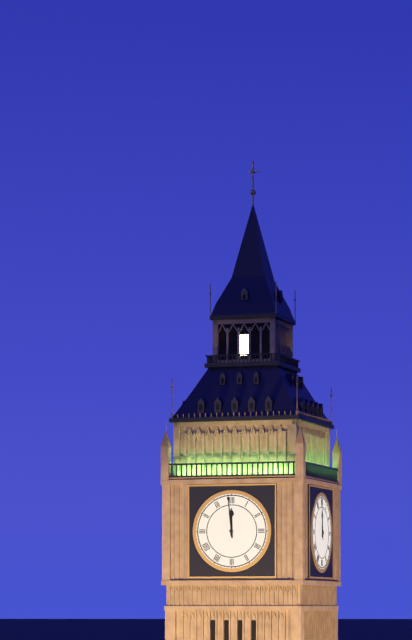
11:59
